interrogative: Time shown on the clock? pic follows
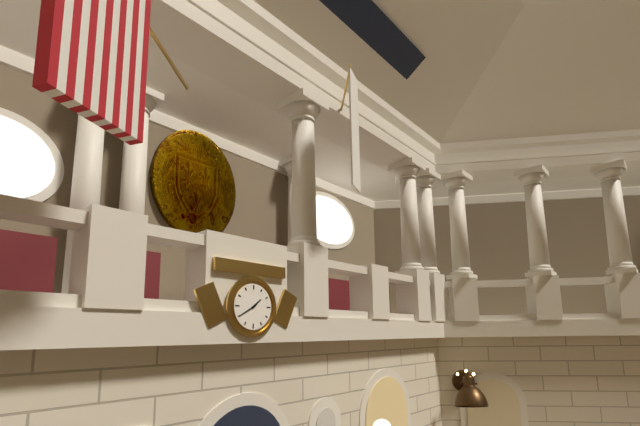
1:40
